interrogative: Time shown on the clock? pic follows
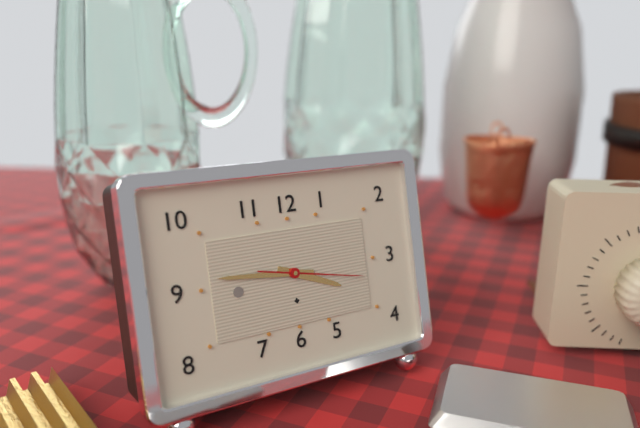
3:46:17
